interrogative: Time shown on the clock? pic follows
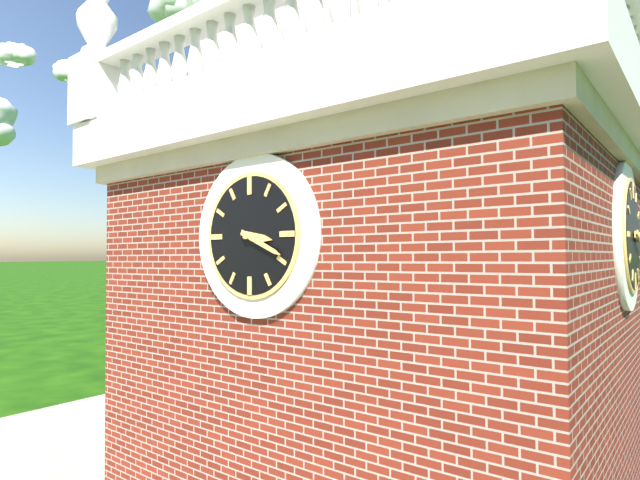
3:19
